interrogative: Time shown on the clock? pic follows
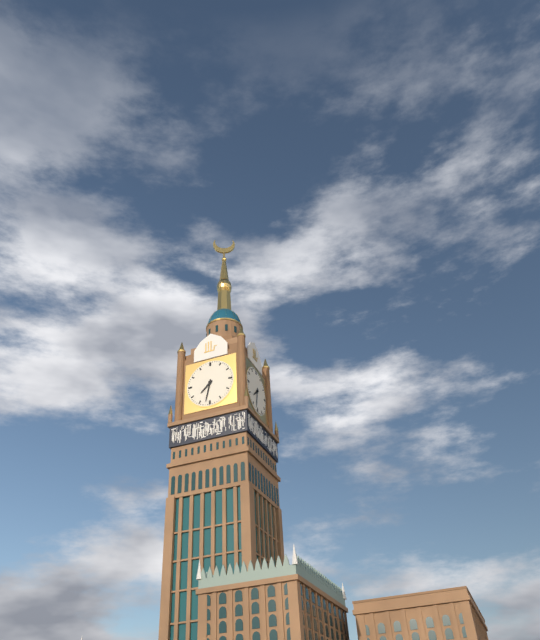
7:32
